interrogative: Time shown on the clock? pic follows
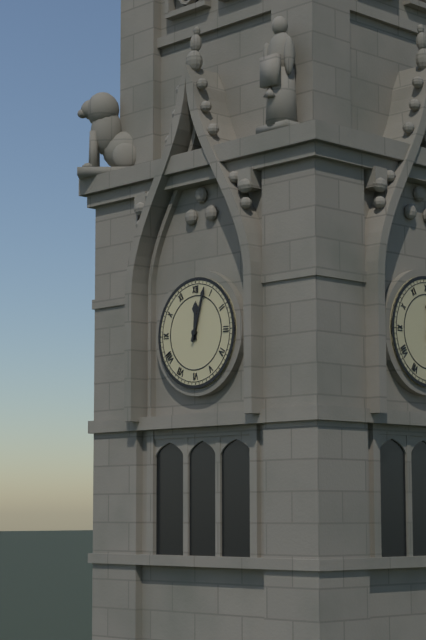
12:03
